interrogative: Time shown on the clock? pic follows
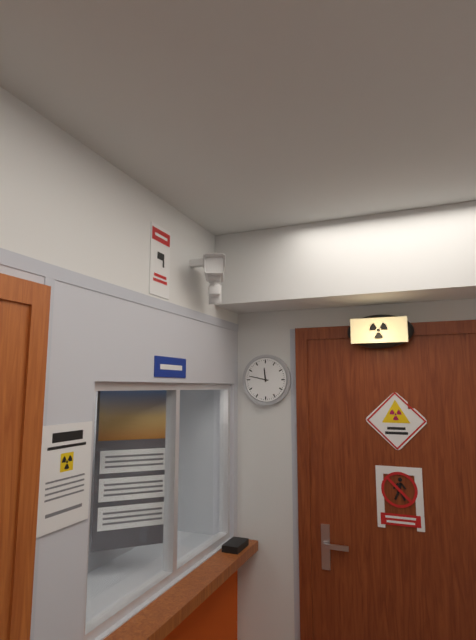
11:47
